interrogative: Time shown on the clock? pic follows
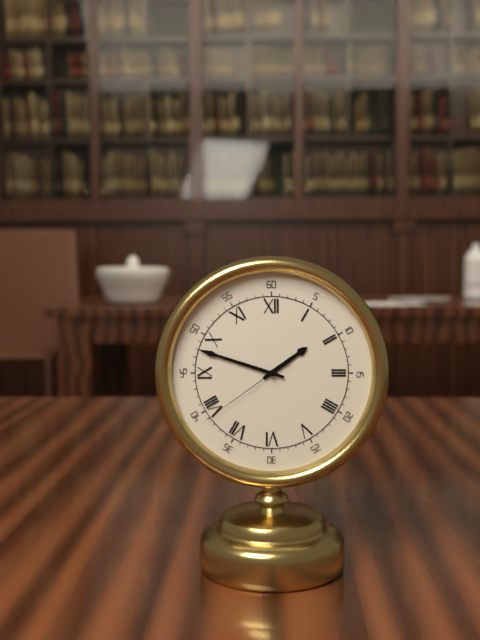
1:48:39
